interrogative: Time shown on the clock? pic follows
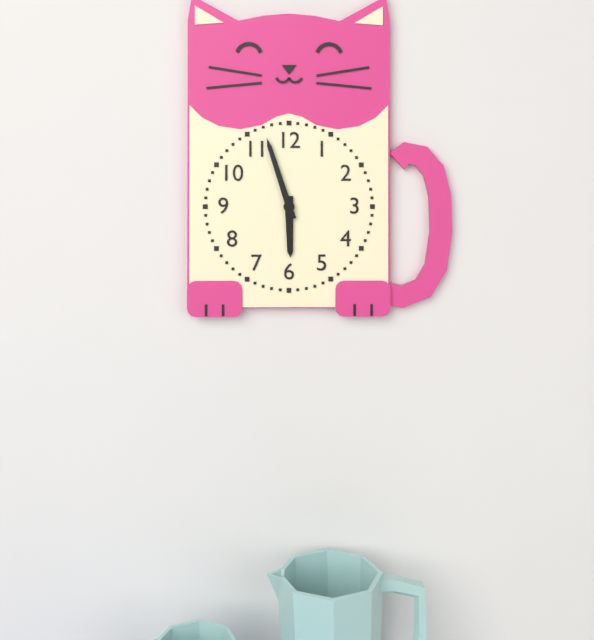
5:57
